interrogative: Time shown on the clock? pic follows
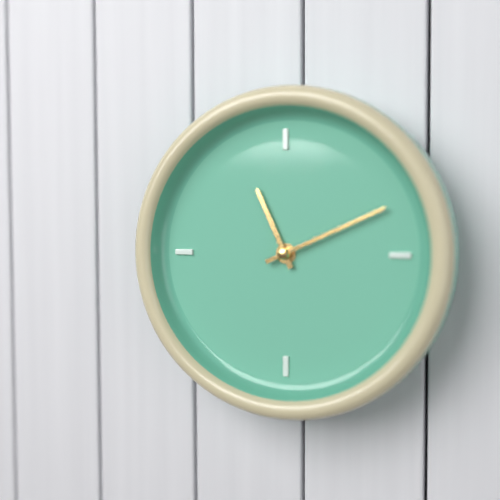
11:11
